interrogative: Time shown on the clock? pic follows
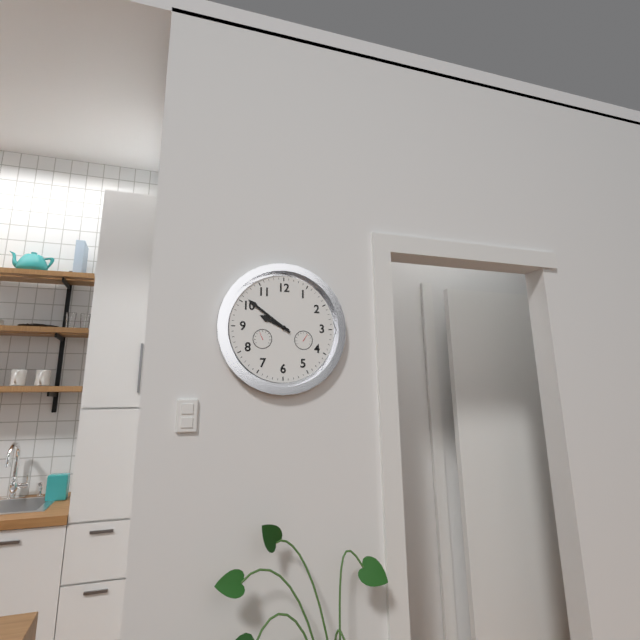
9:51
